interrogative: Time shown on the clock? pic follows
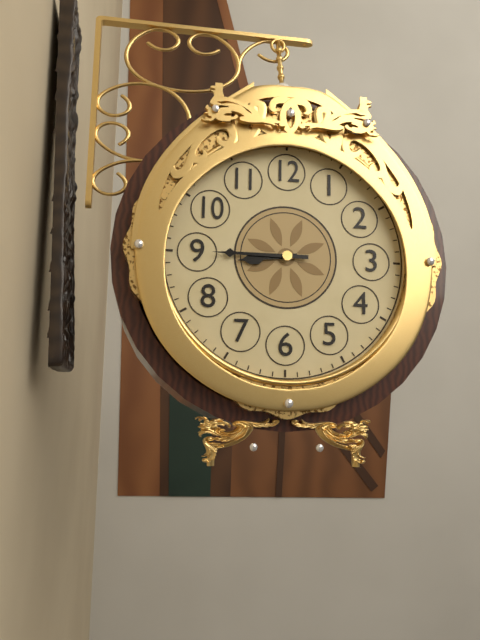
8:45
